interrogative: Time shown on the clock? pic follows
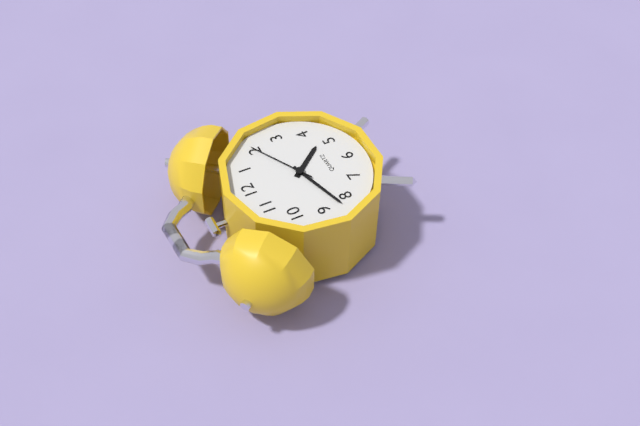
4:42:10
